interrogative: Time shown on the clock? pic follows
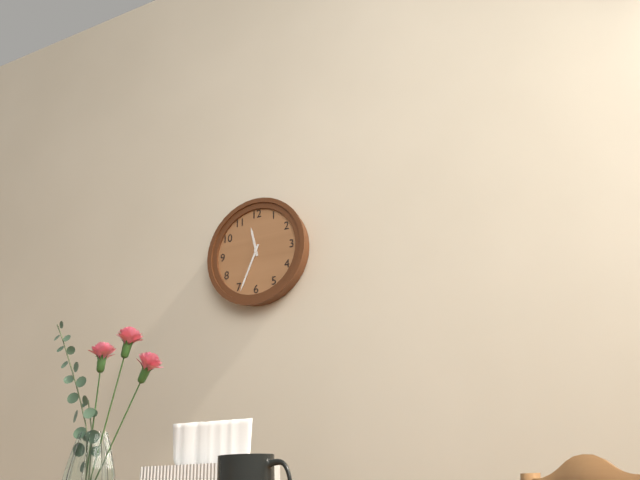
11:34
